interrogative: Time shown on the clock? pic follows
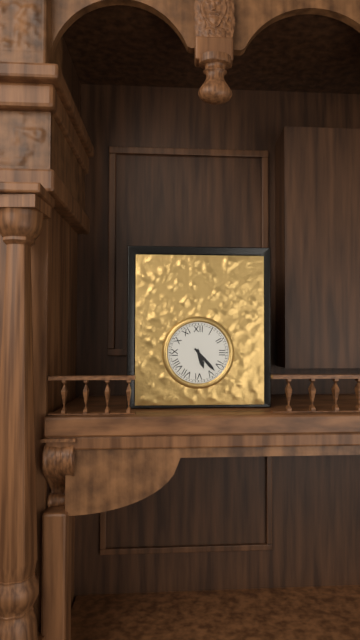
5:23
